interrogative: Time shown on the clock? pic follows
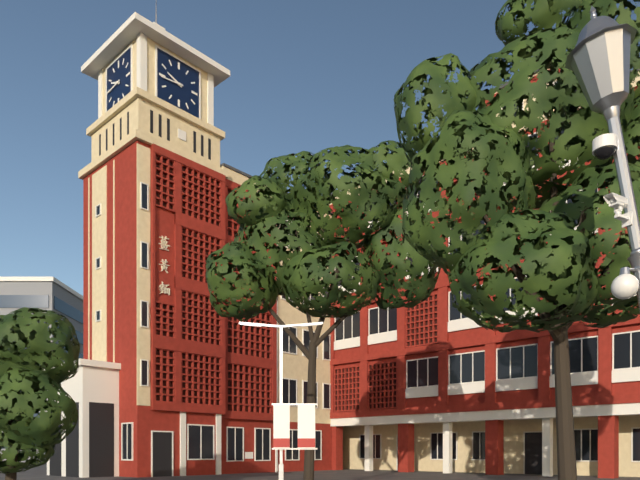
9:44
